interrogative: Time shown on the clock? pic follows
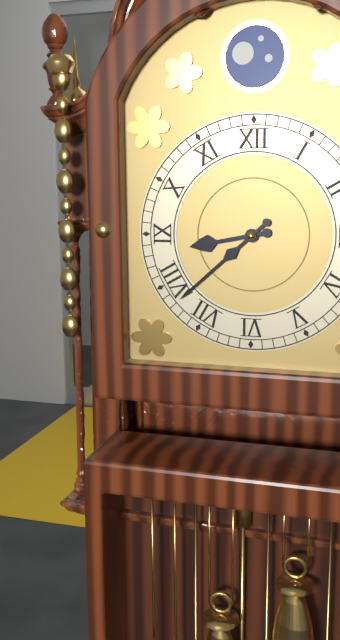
8:38
